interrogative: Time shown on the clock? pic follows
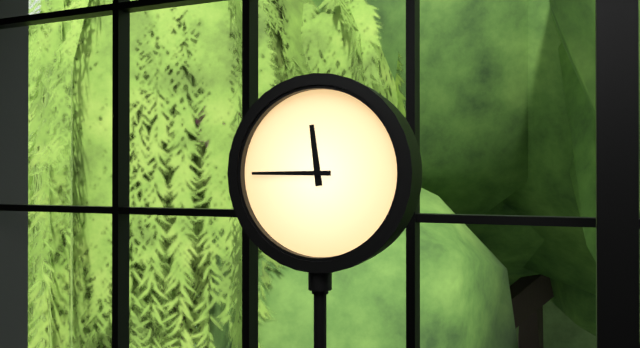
11:45
